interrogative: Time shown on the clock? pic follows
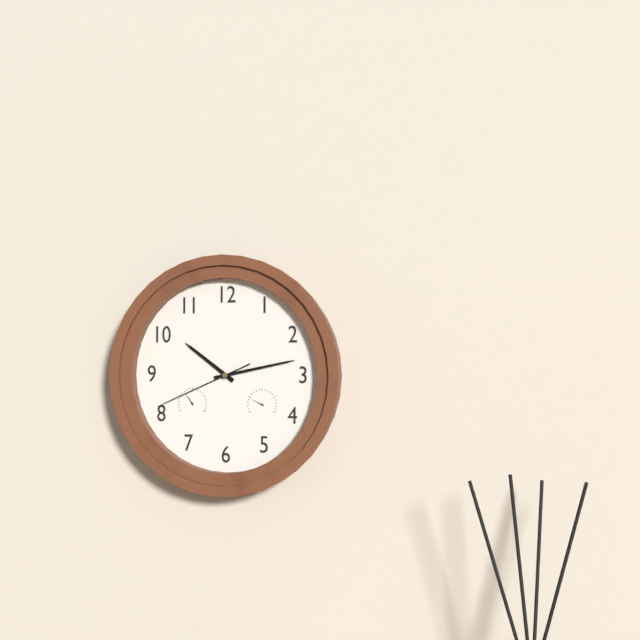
10:13:41
